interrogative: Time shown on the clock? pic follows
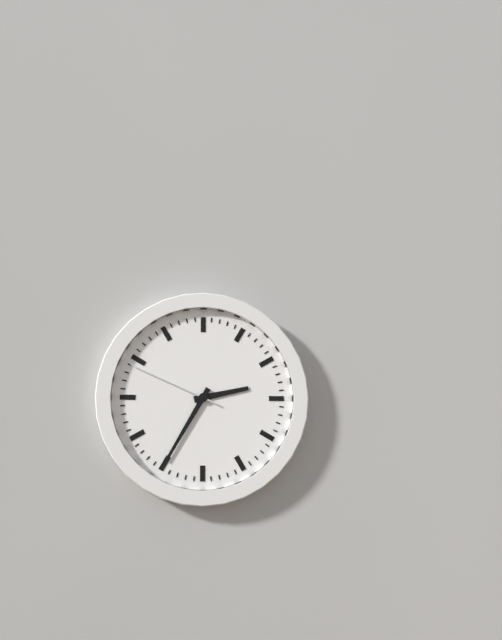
2:35:49
